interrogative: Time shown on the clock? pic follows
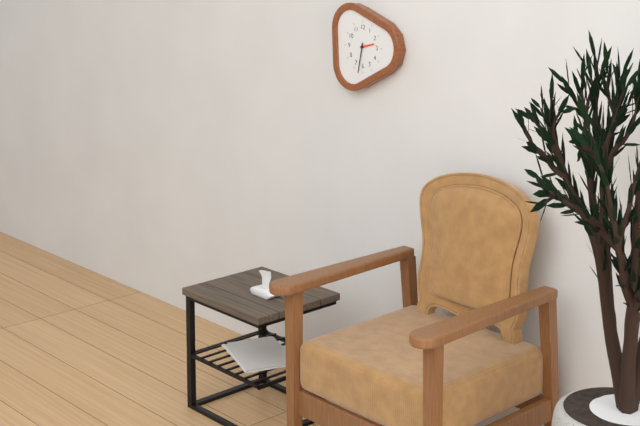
2:32
